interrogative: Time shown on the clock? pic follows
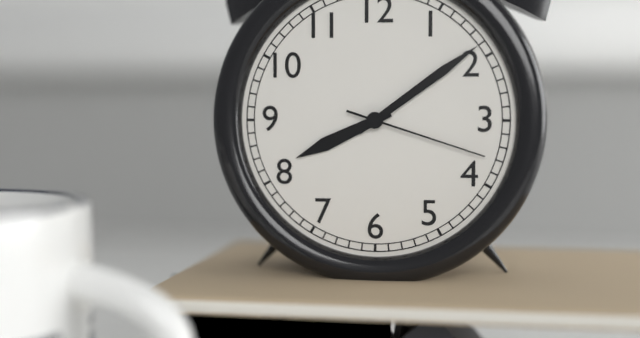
8:09:18
